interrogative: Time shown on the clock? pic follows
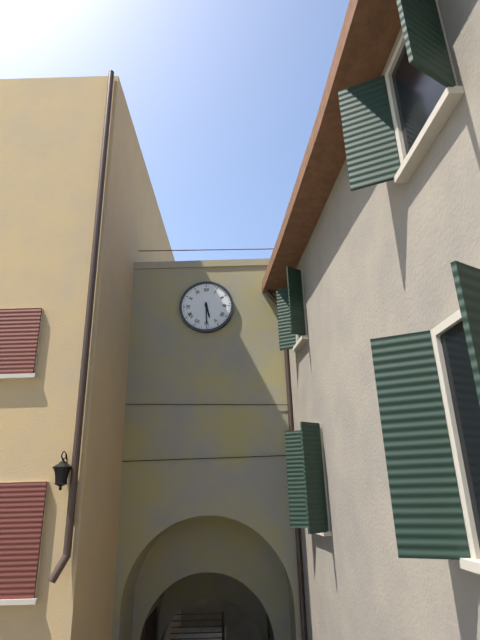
5:30
